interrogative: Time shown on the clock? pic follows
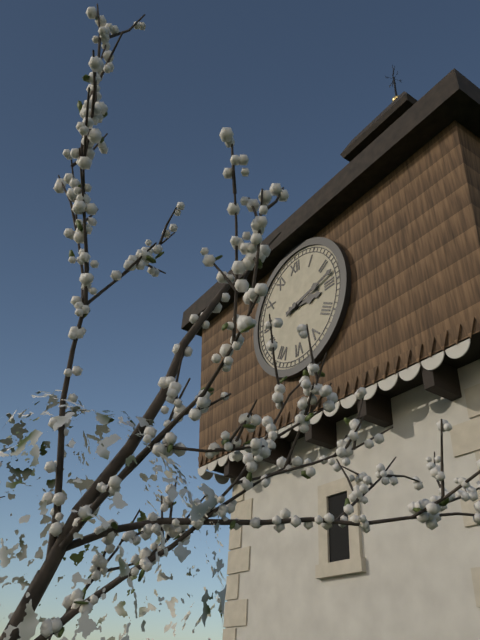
3:13
